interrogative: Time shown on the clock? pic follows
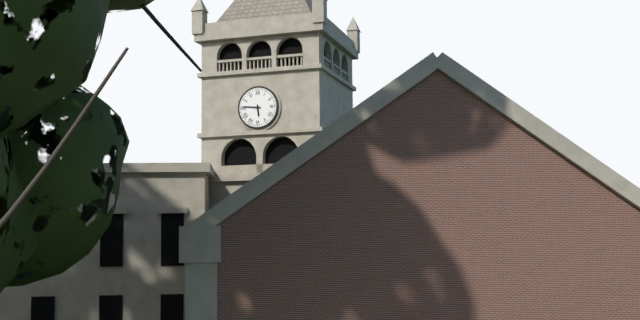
5:46
